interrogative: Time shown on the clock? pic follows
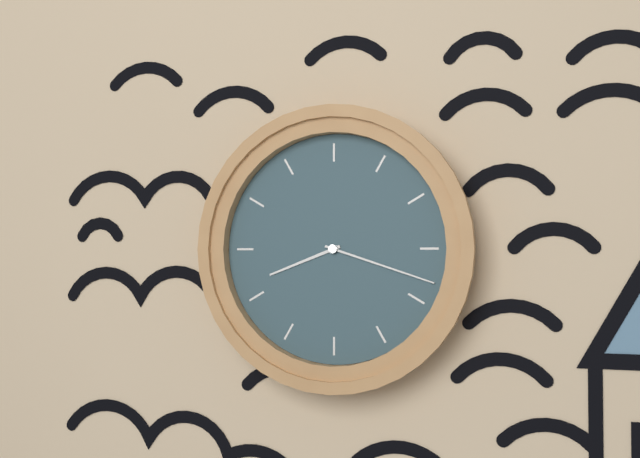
8:18
